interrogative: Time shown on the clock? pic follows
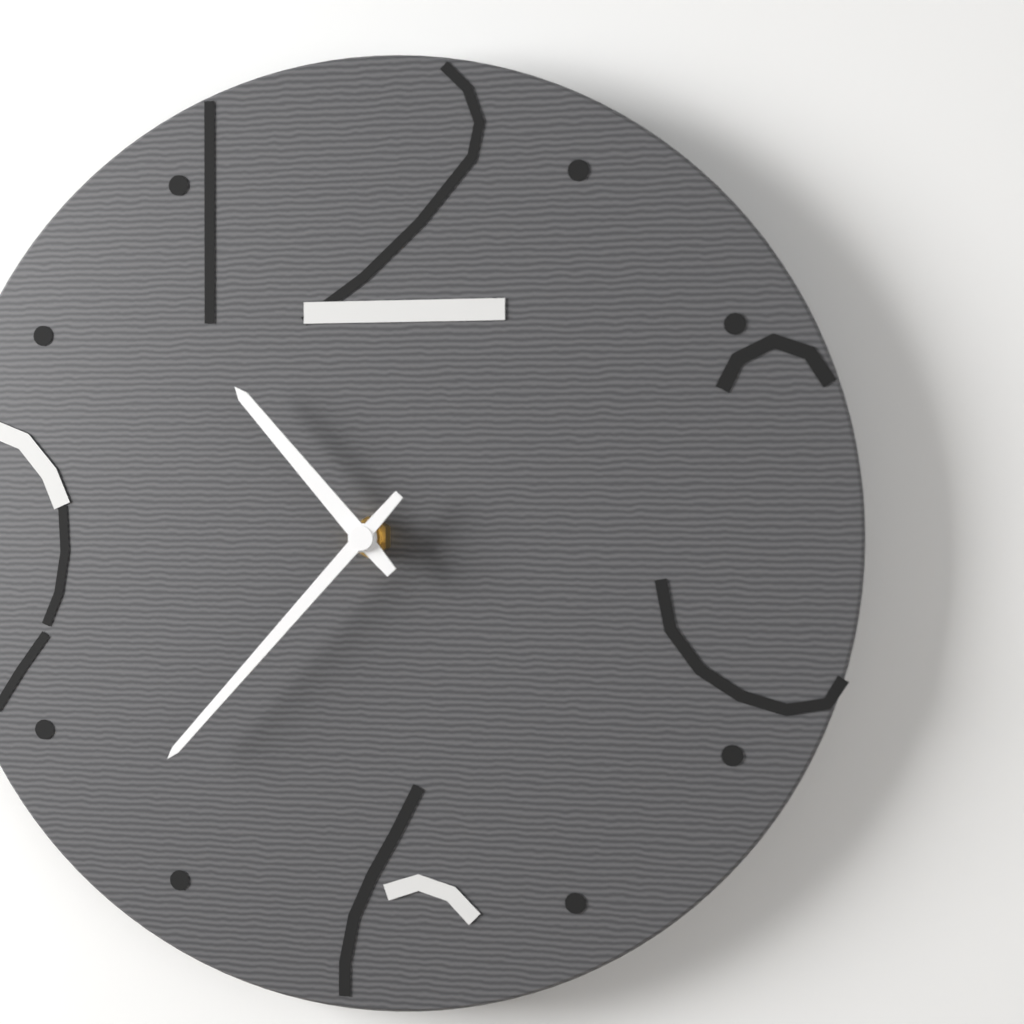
10:37
